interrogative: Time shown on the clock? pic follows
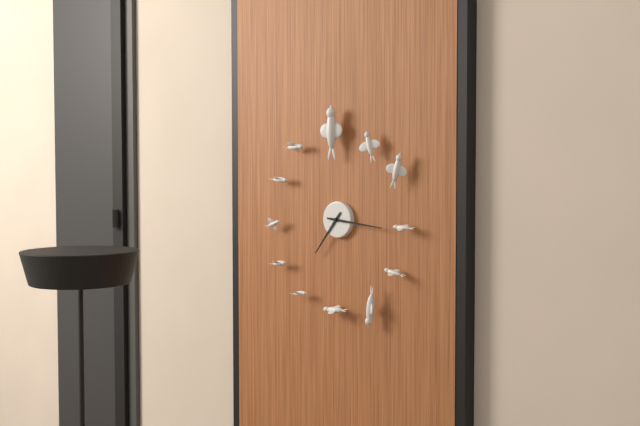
7:16
